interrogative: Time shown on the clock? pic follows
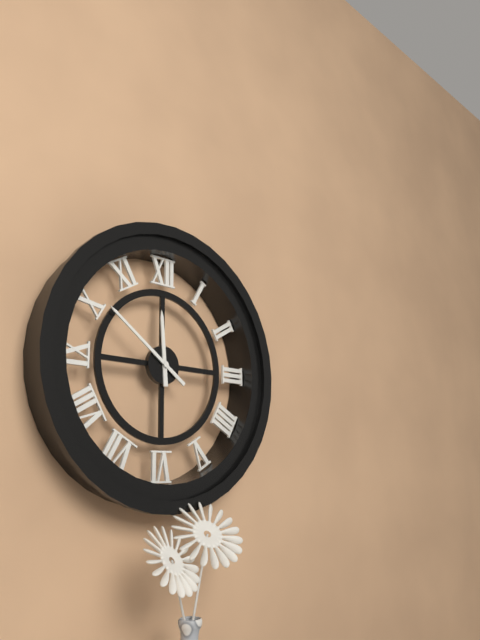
11:51
